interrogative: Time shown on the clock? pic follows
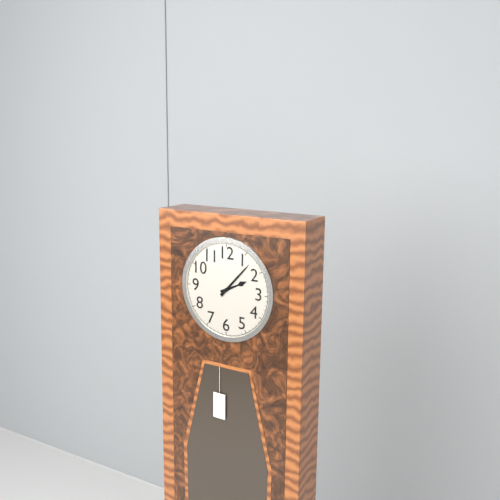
2:07
